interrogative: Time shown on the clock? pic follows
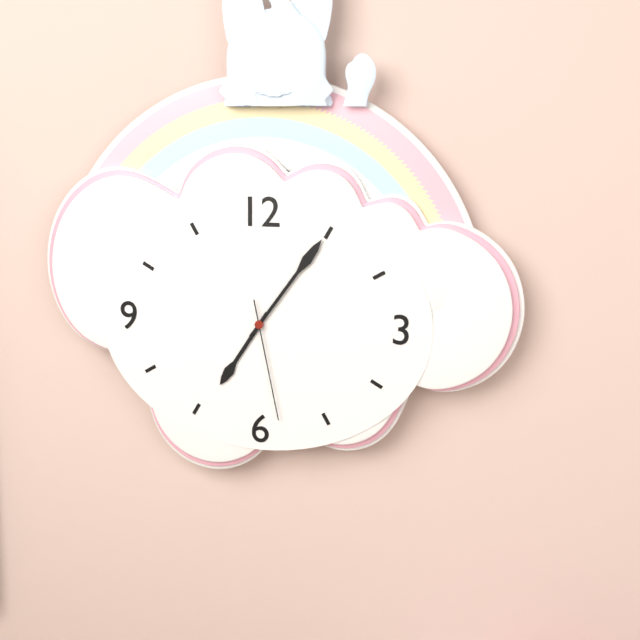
7:06:28
